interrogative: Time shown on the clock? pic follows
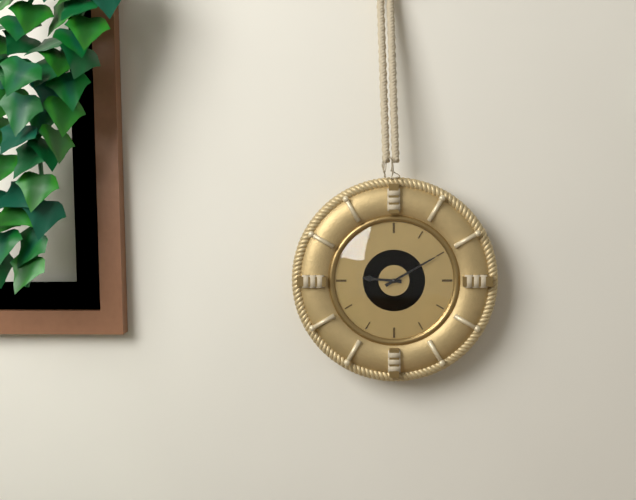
9:10
